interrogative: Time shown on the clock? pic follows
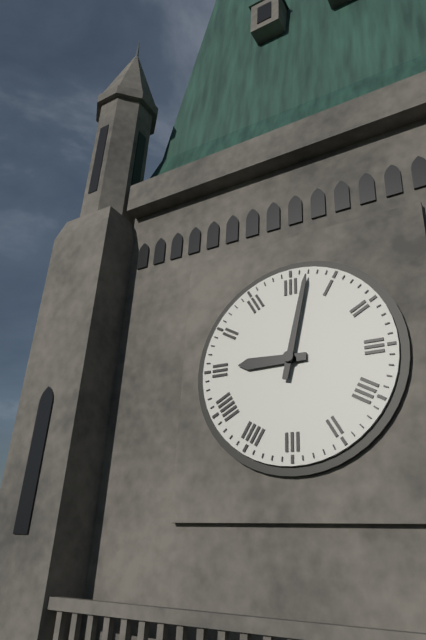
9:02
